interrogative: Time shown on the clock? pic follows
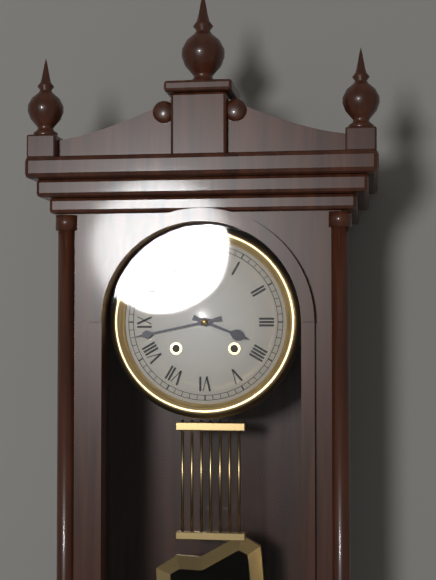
3:43
